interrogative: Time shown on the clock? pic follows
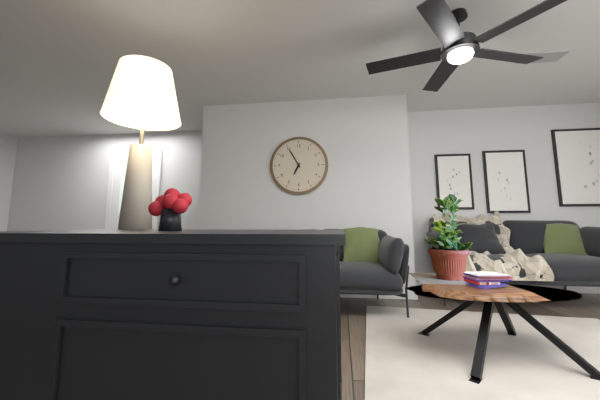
6:55
